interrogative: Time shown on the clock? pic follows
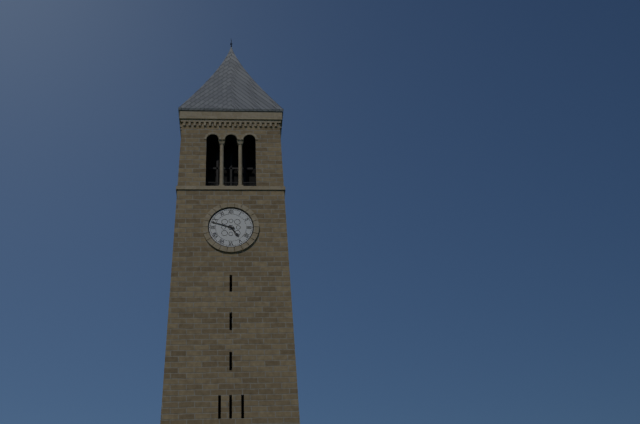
4:48
